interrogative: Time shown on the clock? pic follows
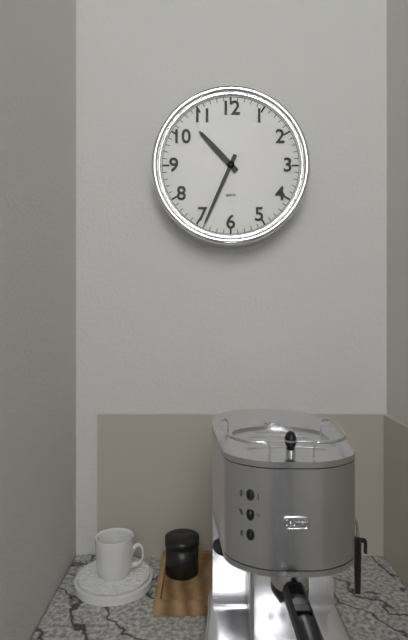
10:34
